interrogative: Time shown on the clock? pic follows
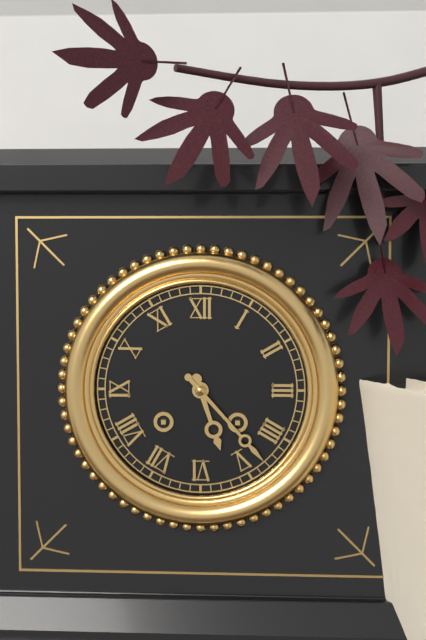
5:23
